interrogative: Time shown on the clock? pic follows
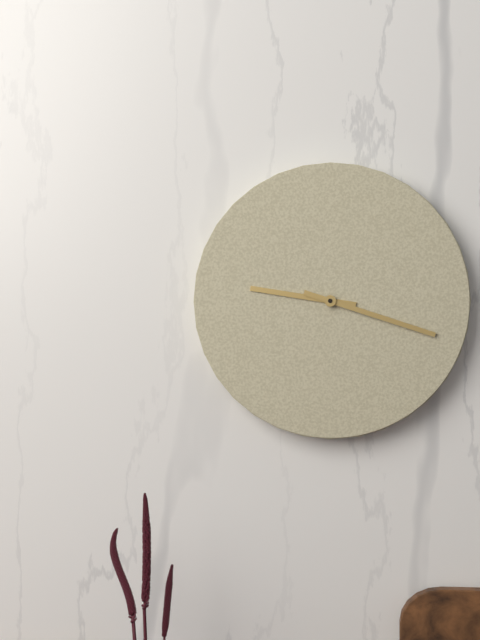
9:18
